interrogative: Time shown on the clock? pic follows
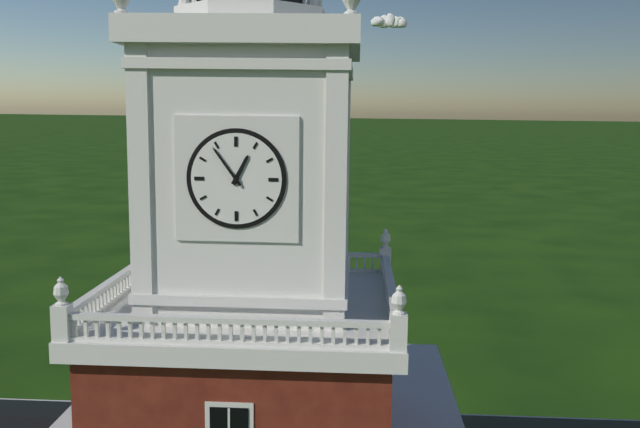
12:54
